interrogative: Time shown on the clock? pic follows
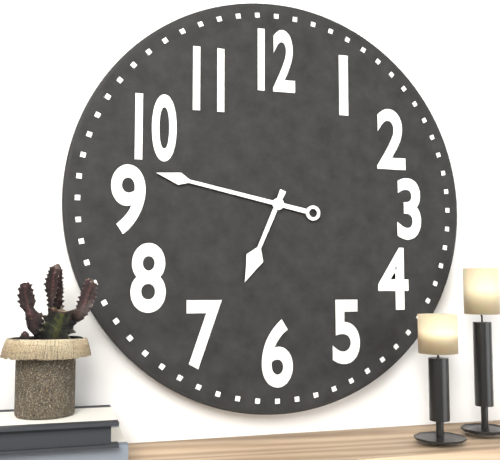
6:47
